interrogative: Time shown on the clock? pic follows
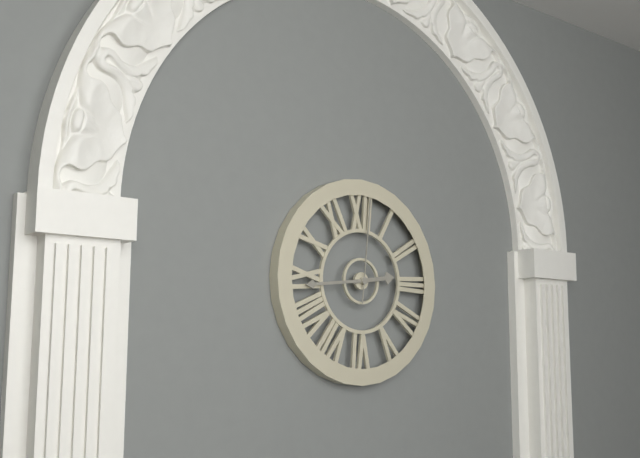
2:44:01
